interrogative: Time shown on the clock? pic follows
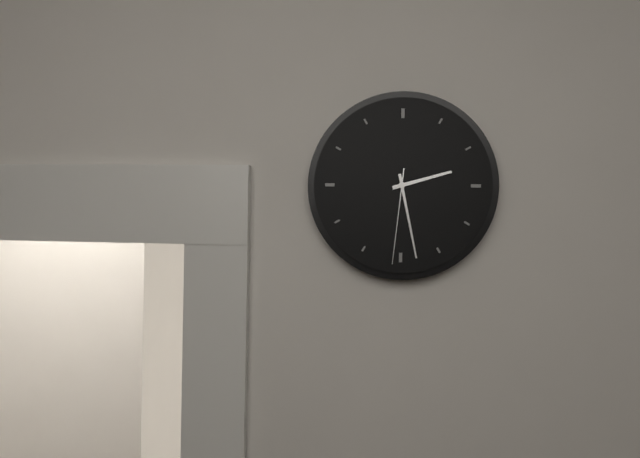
2:28:31
